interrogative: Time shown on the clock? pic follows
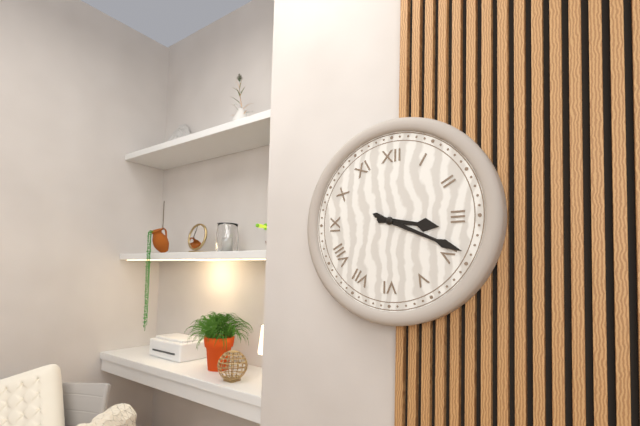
3:19
